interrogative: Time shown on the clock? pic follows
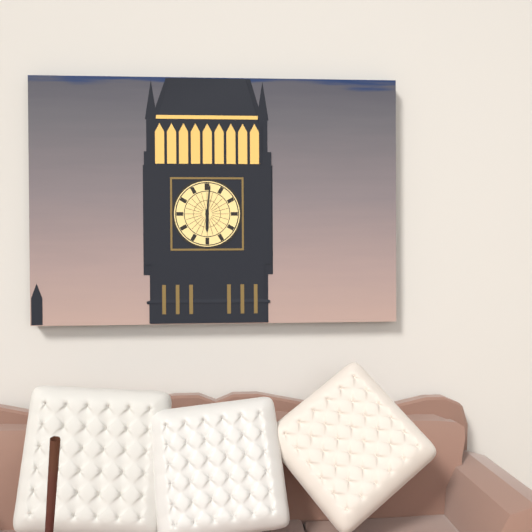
6:01
